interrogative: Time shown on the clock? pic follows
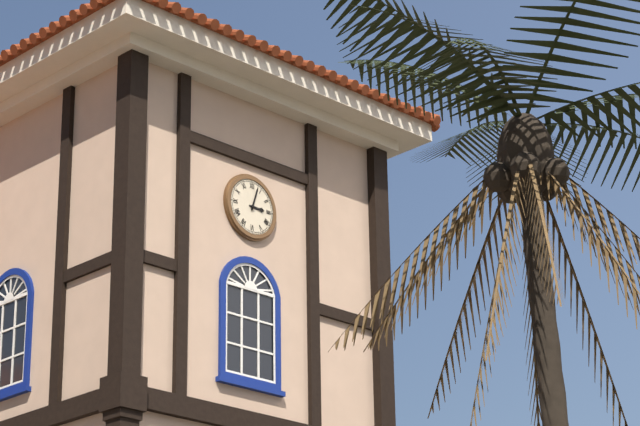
3:03
